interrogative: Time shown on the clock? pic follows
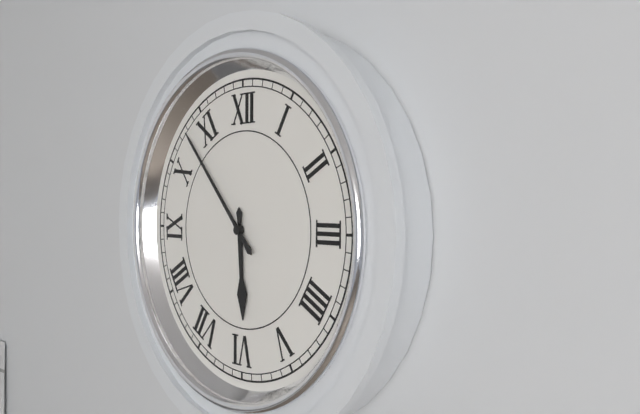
5:53
